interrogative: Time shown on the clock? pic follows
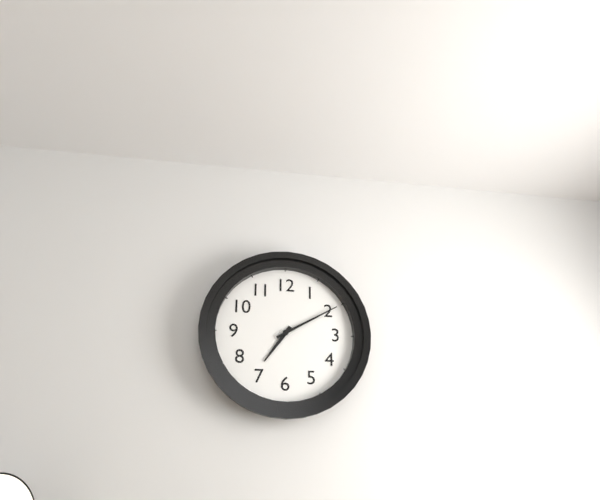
7:10
